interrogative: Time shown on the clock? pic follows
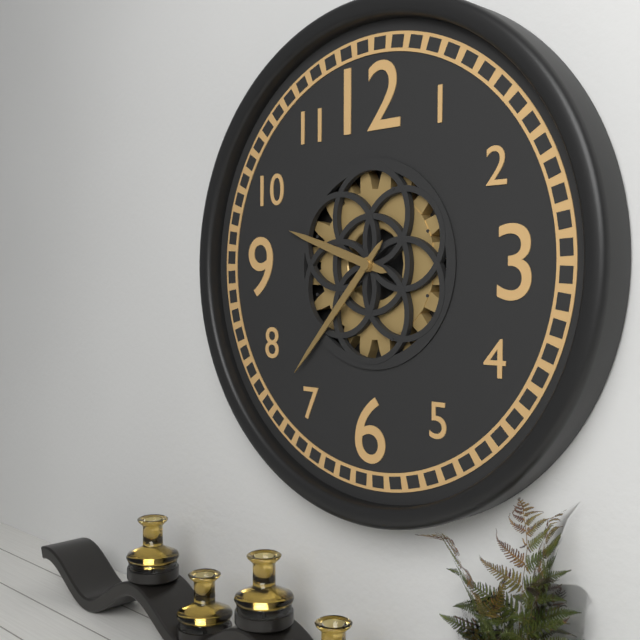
9:37
